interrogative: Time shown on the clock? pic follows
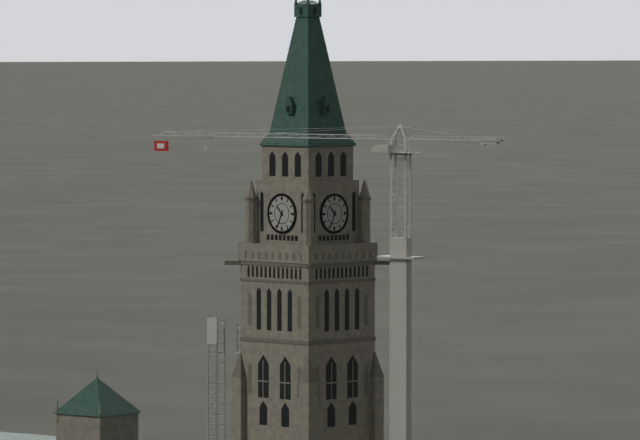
10:34
